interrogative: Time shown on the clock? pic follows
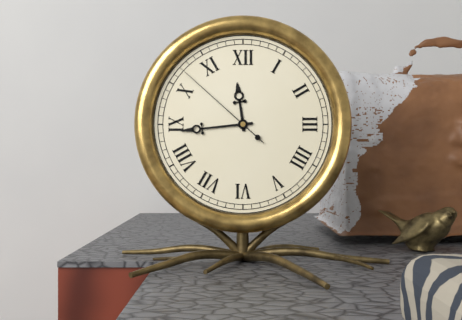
11:44:52
